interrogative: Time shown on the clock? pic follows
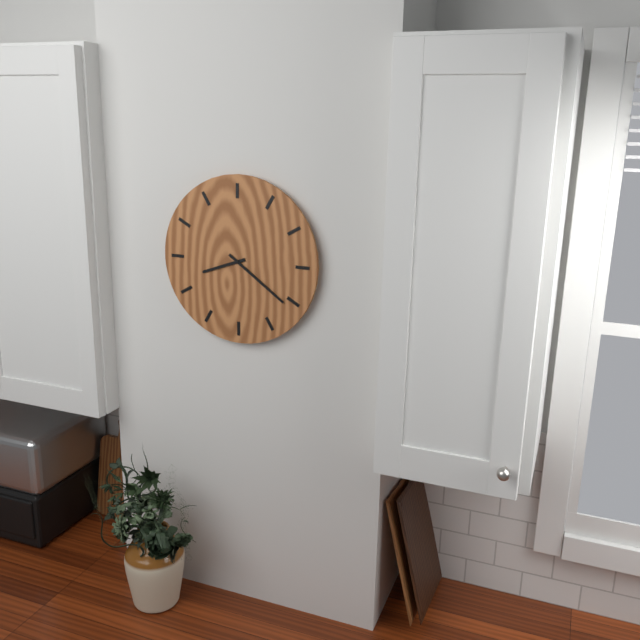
8:21
